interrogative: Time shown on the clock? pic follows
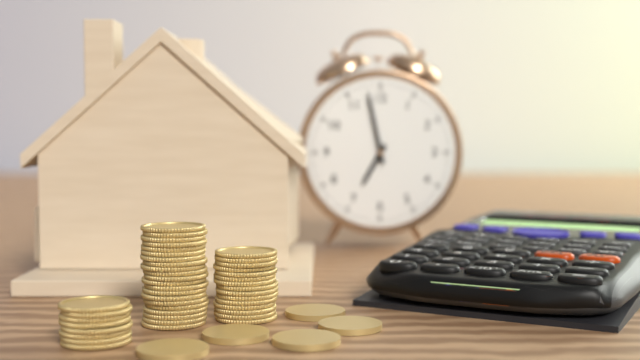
6:58
